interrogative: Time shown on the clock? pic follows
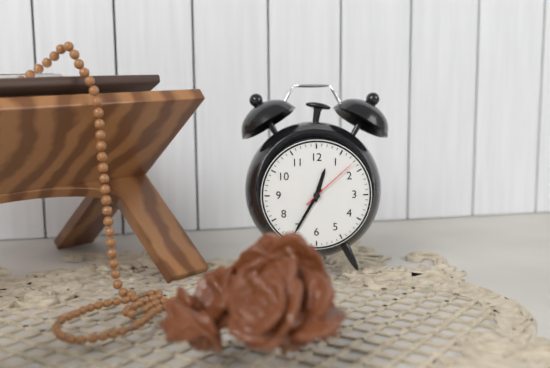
12:35:08
